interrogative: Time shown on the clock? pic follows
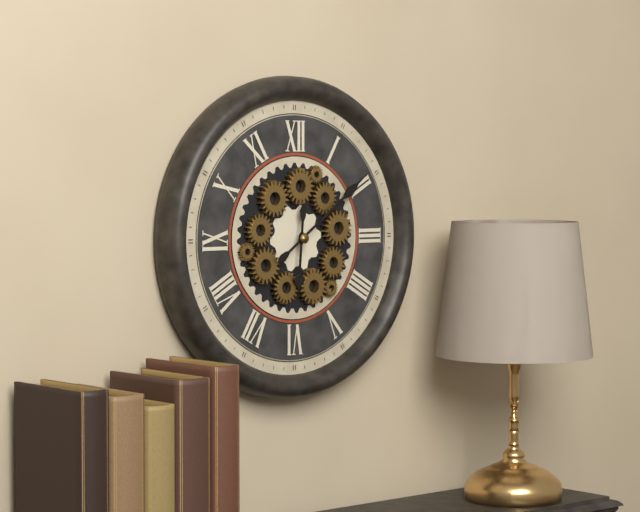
6:09
